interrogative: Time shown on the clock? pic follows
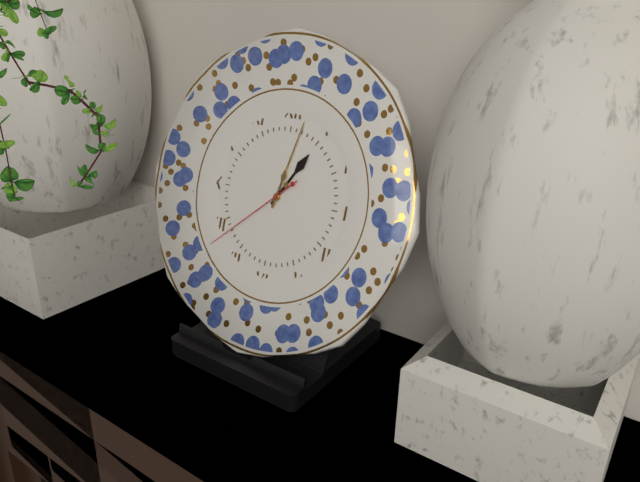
1:02:38
